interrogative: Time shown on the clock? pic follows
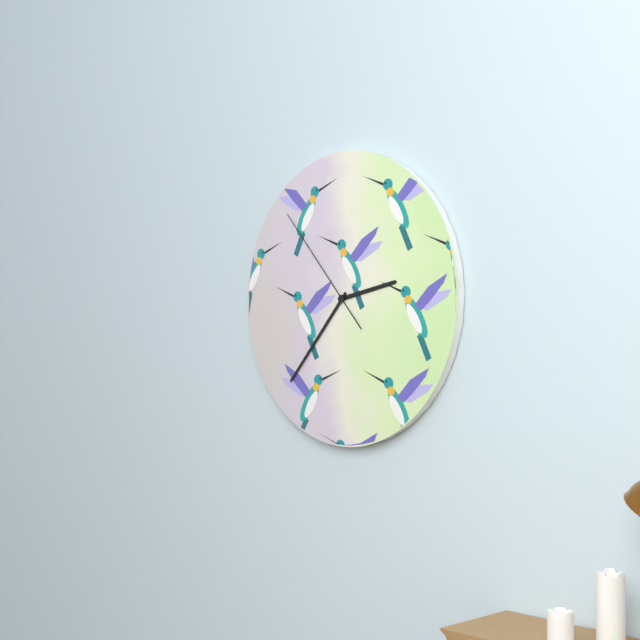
2:37:53
